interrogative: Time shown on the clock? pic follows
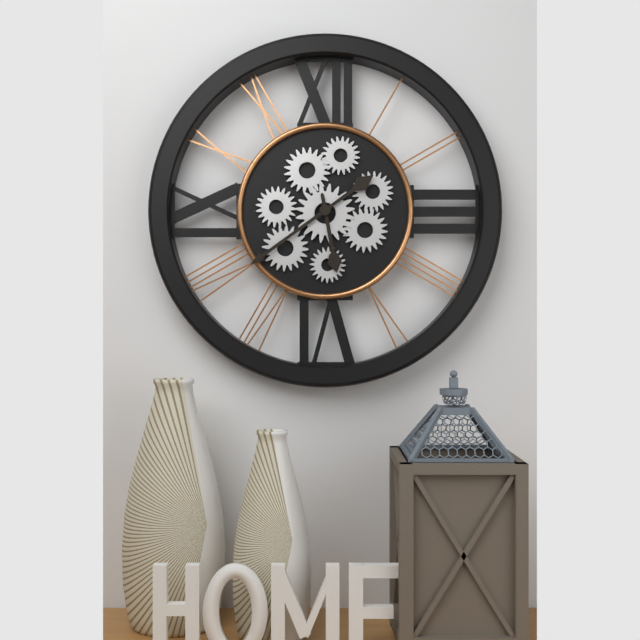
5:39
